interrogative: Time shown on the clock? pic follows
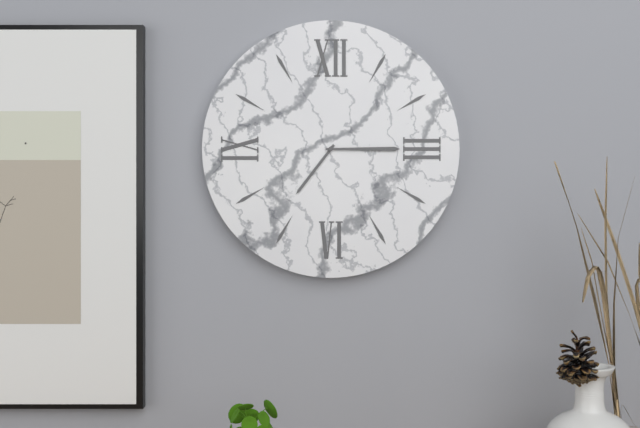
7:15
